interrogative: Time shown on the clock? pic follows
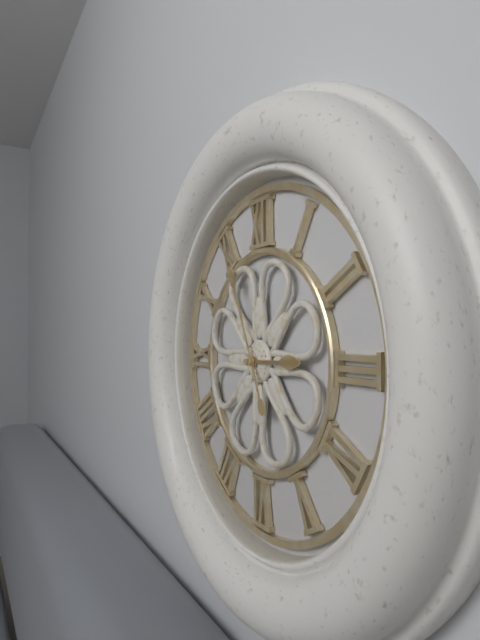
2:56
